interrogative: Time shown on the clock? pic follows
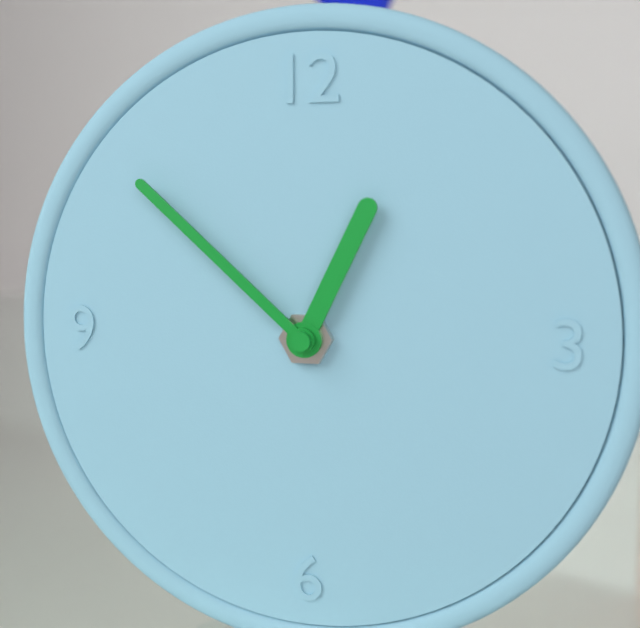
12:52
